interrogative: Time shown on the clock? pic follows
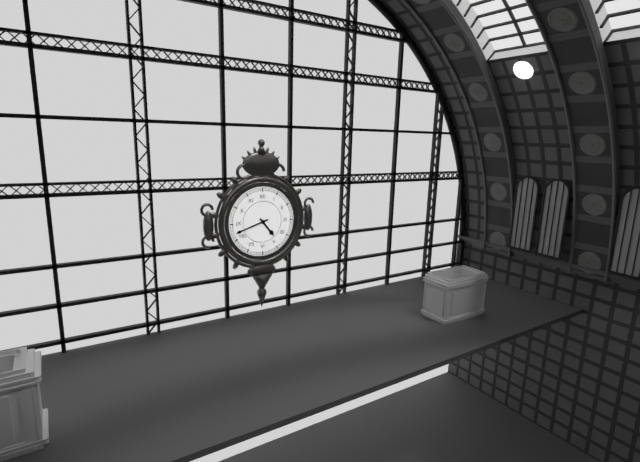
4:42
